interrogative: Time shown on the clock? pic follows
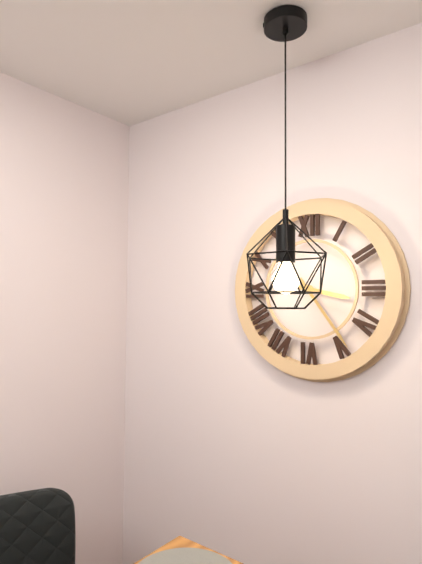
3:24
